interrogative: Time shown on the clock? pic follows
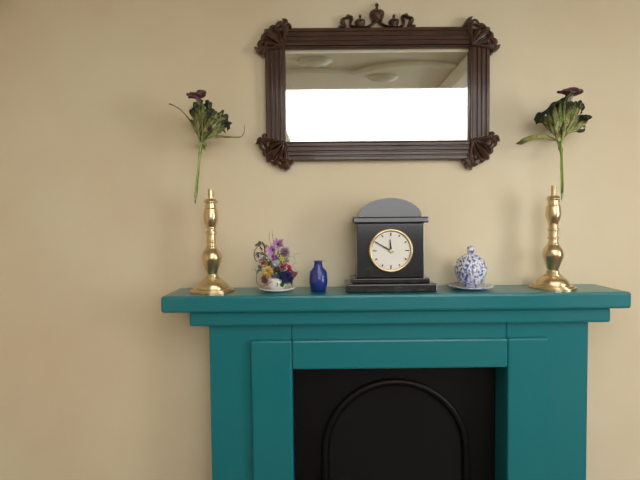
11:50
